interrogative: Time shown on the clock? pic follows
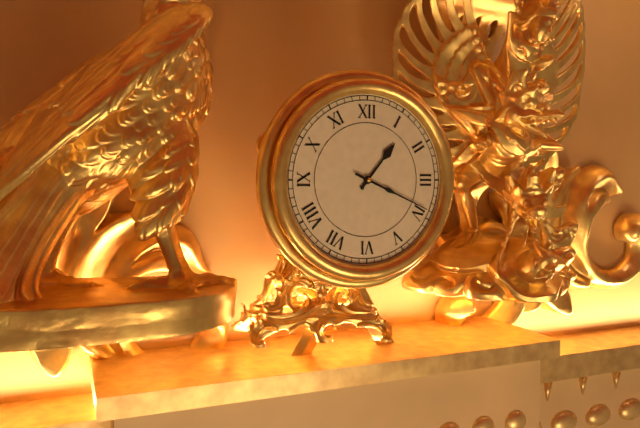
1:19
